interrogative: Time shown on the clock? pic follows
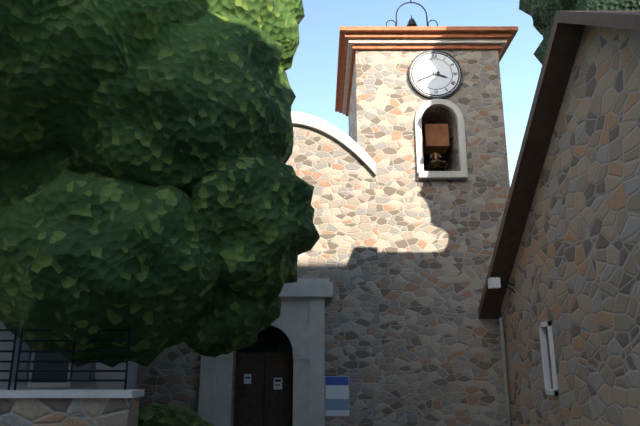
3:41
